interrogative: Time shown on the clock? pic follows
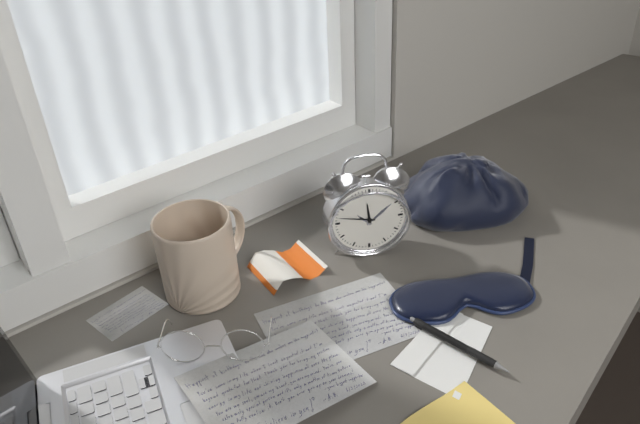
11:47
